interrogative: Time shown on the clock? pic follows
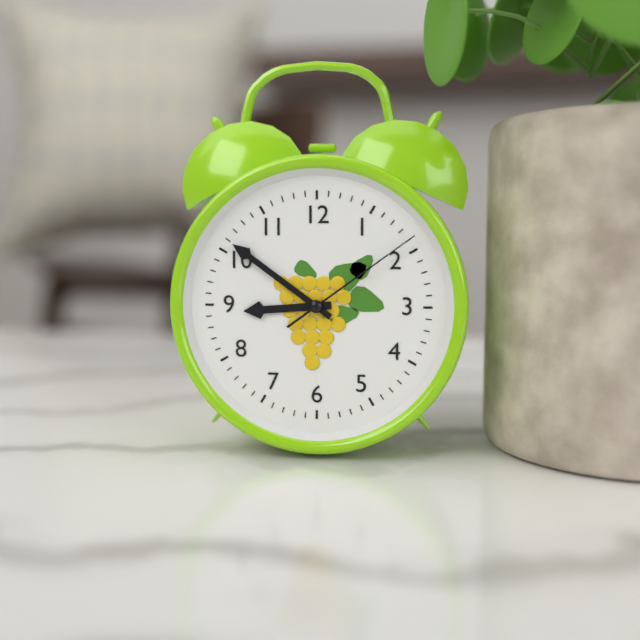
8:51:09
